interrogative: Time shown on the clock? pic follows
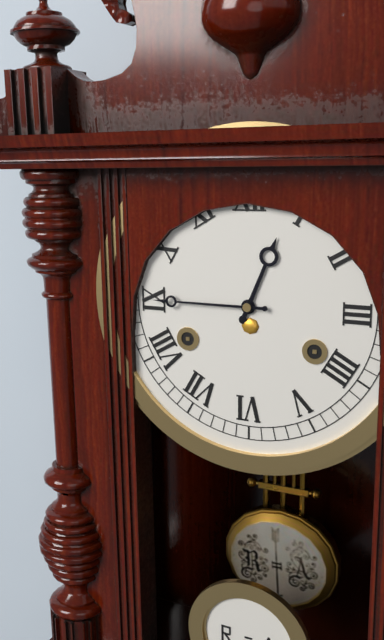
12:45
